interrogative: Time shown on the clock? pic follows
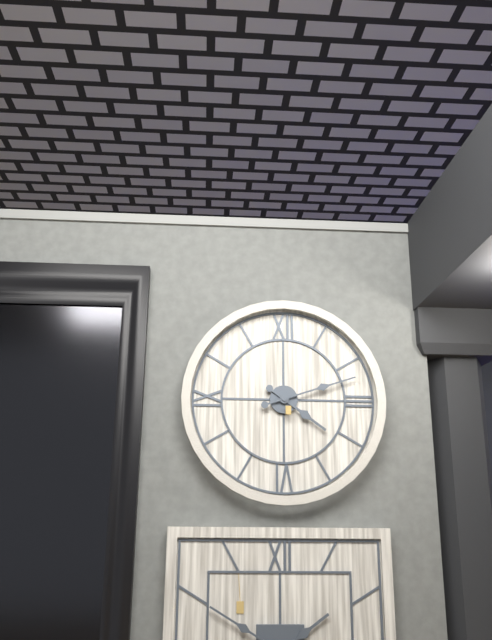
4:12
